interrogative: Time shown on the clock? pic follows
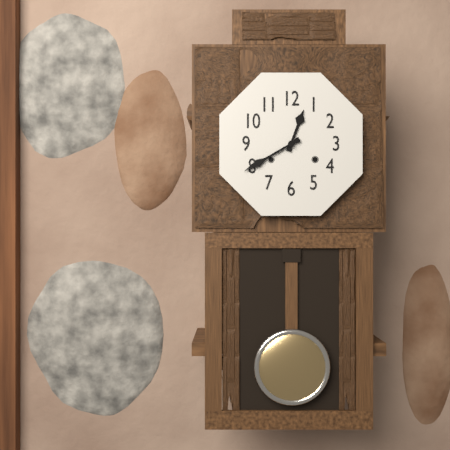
12:40
